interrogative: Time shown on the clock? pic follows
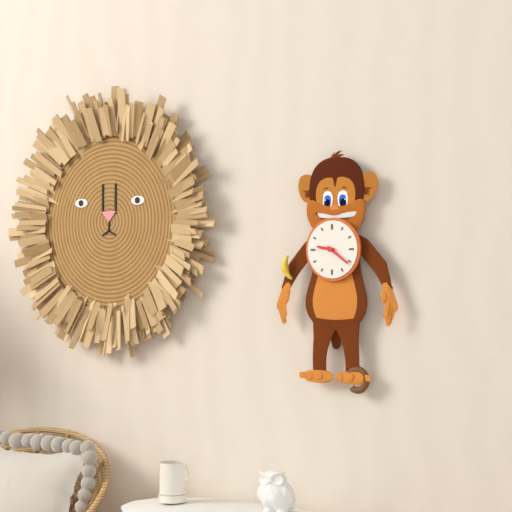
9:21
